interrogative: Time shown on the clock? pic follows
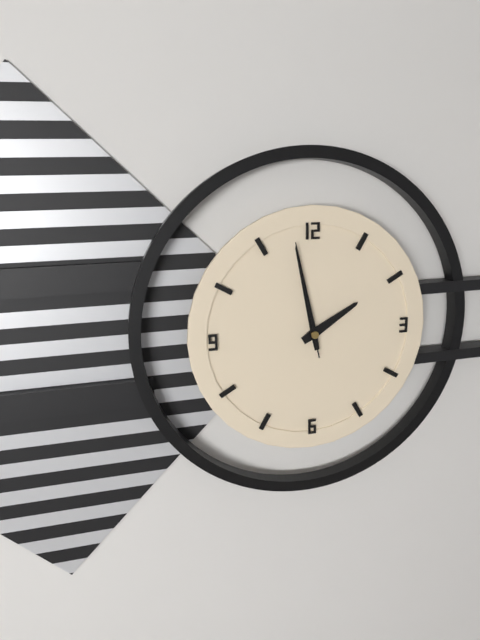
1:58:58
